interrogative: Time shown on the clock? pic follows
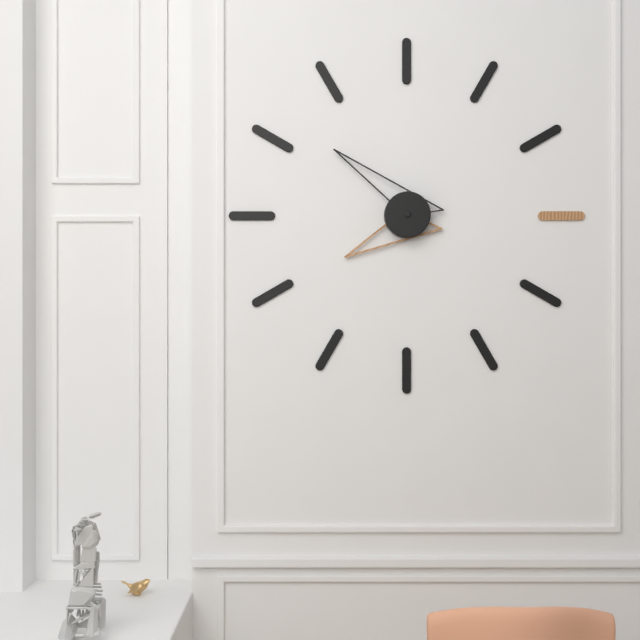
7:52
